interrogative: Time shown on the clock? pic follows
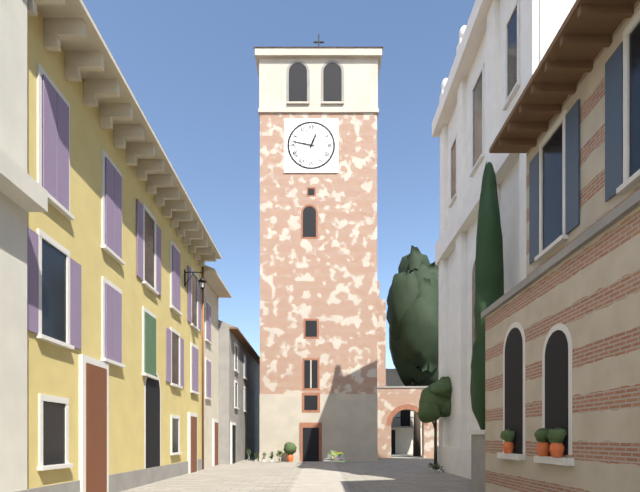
12:47
